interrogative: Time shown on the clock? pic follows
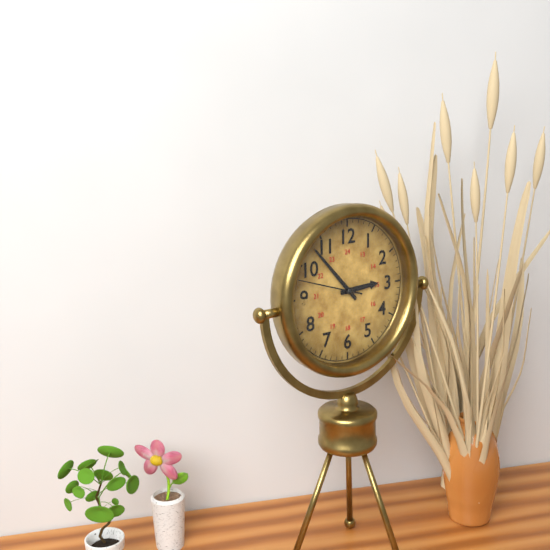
2:53:48
